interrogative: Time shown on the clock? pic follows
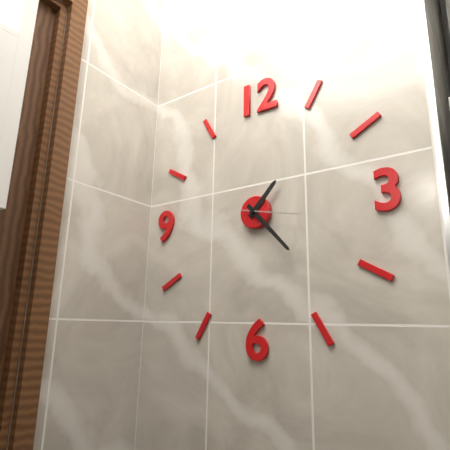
1:23:17
